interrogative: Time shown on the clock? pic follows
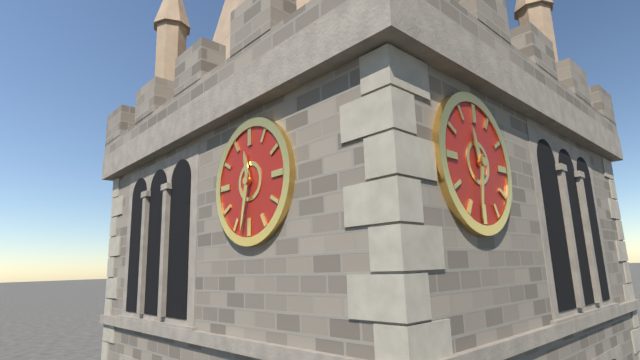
11:32
